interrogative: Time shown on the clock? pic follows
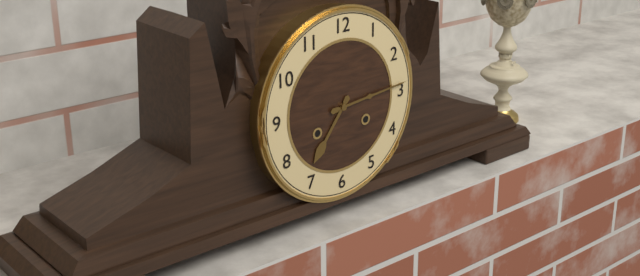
7:14
